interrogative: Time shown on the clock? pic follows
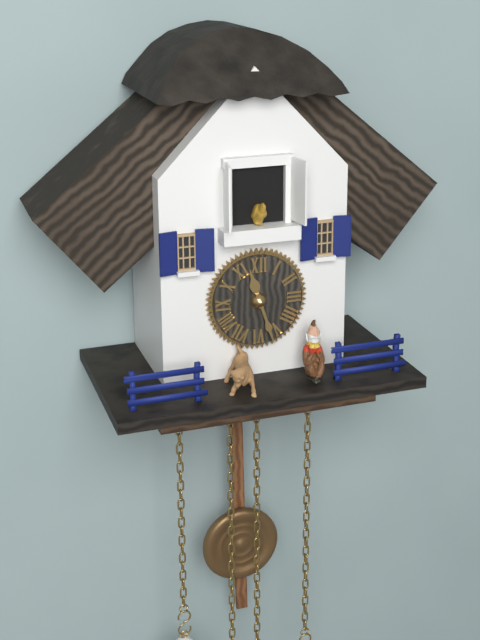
11:27
